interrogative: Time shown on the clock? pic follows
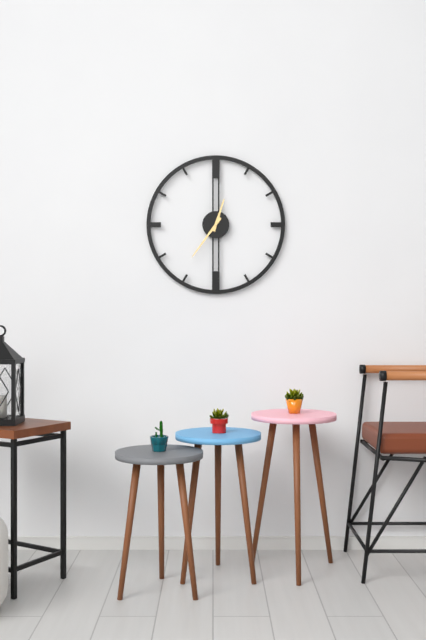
12:36
